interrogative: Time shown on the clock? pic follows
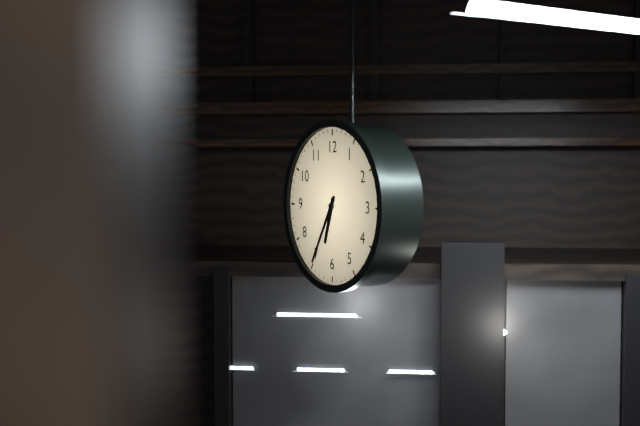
6:35
